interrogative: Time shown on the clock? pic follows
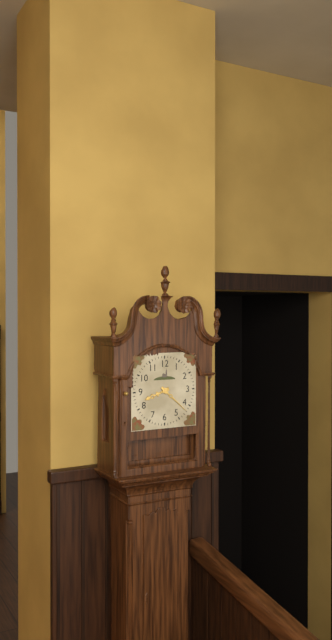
8:22
